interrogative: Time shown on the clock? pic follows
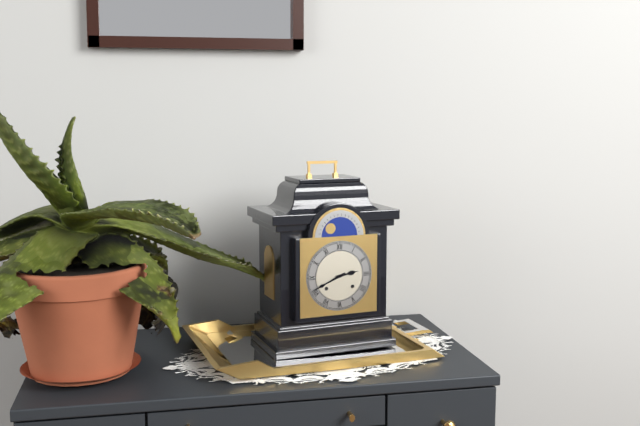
2:41
